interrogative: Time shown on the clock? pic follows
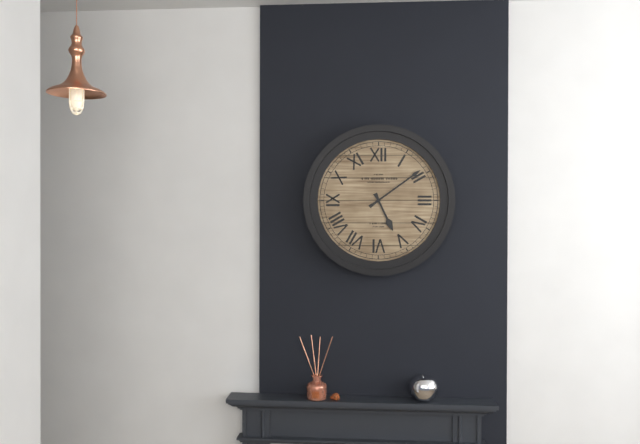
5:09
